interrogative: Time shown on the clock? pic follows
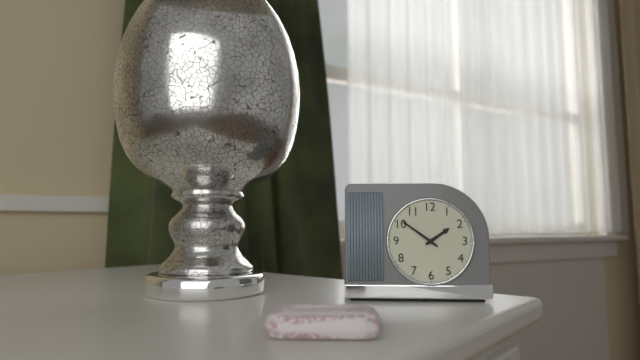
1:51
